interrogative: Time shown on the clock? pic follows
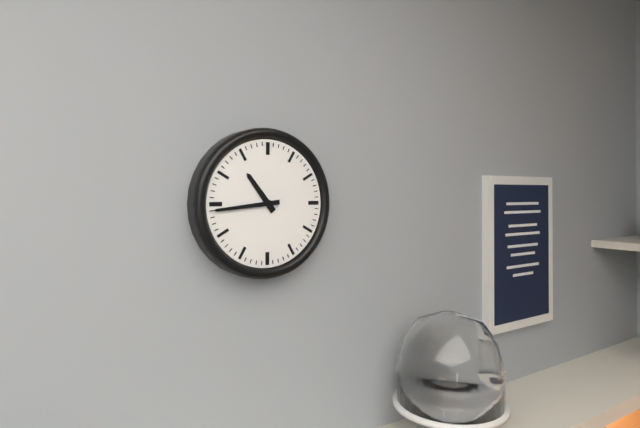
10:44
